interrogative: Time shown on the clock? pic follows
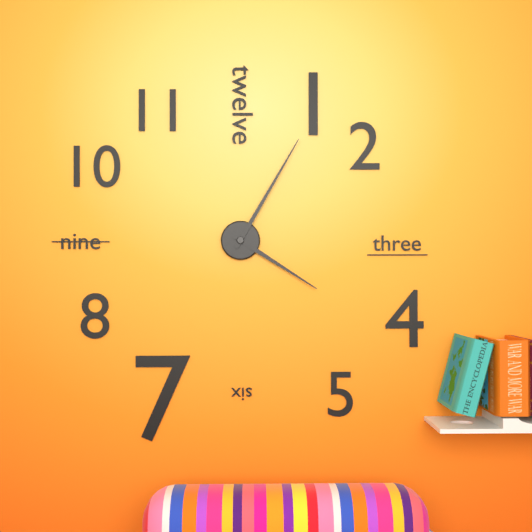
4:05
